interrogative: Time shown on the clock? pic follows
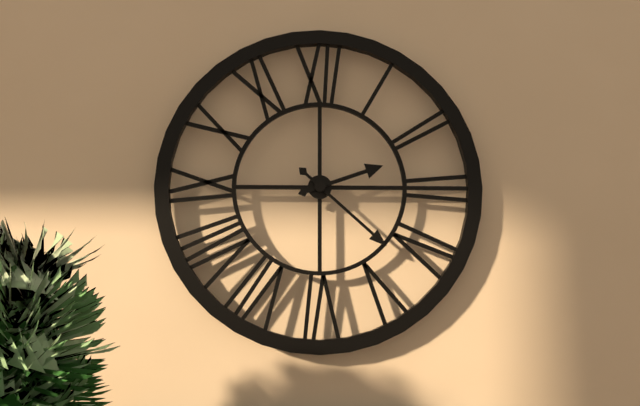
2:22
